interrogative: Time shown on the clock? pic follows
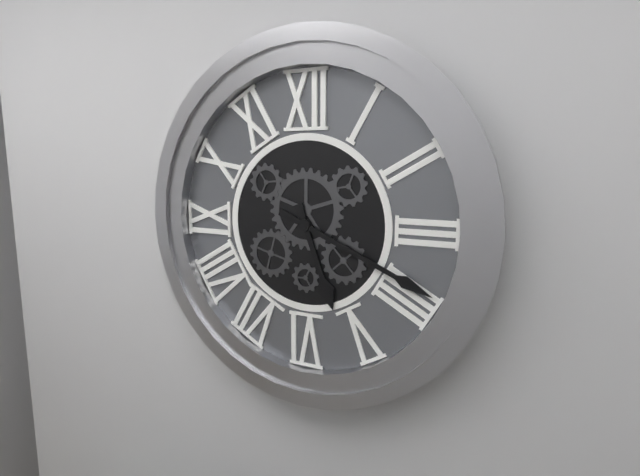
5:19
